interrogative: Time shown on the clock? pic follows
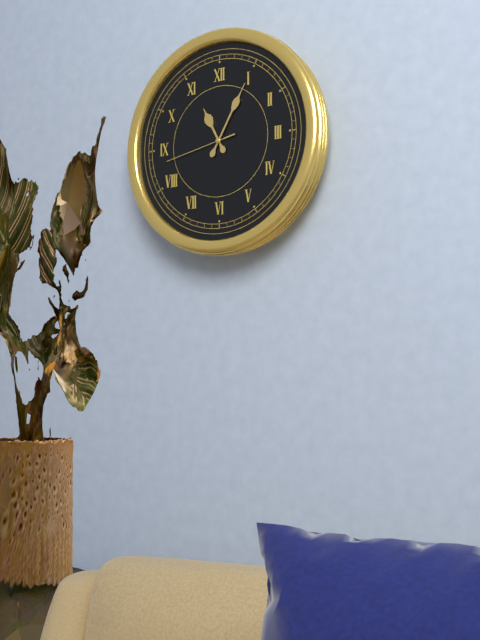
11:05:43
